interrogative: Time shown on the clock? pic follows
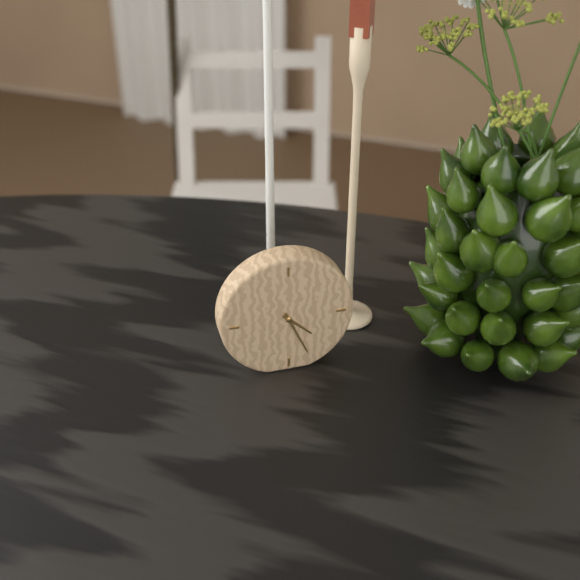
4:26
